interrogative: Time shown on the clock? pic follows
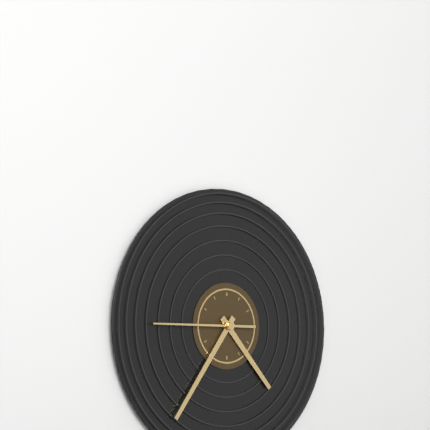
4:36:45
